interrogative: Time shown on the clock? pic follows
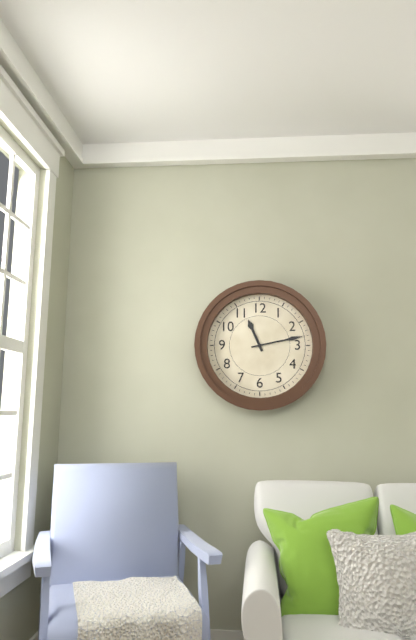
11:13
